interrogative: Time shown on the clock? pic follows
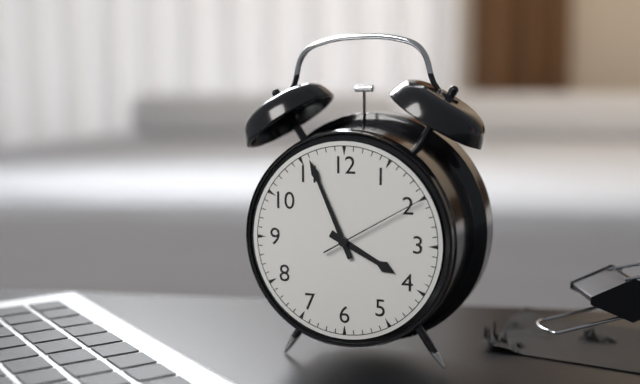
3:56:10
